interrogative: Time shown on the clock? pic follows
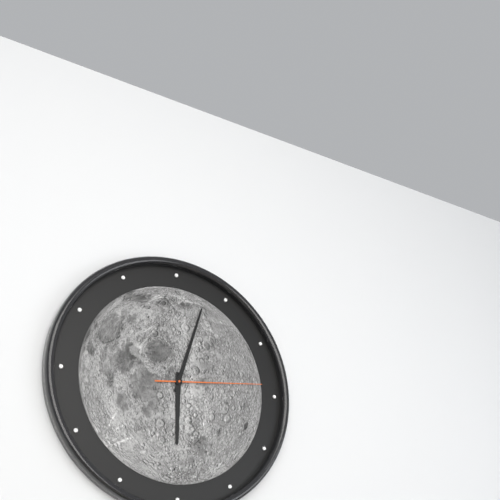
6:03:14
